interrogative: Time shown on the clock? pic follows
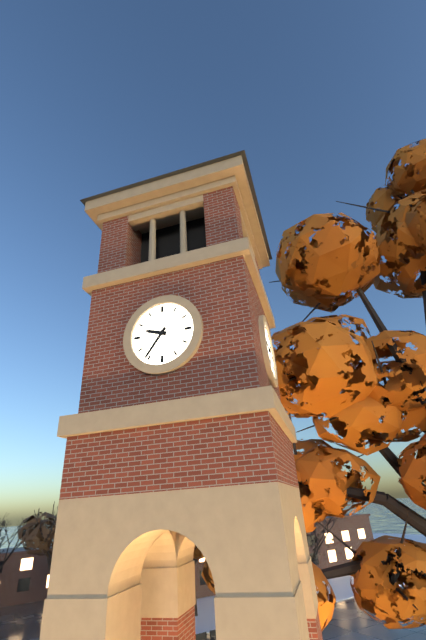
9:36
